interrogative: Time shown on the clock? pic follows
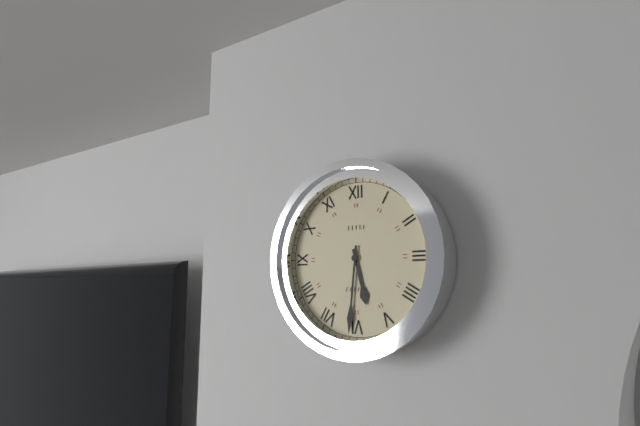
5:31
